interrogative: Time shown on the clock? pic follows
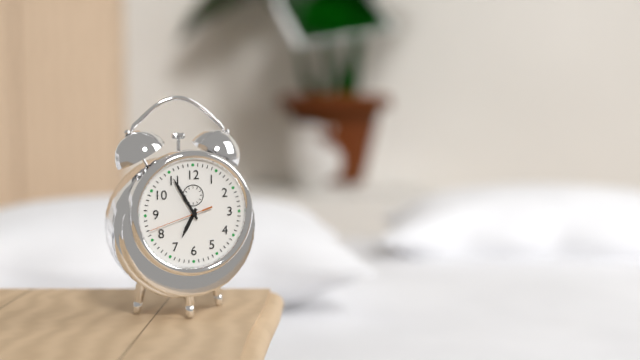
6:55:42
